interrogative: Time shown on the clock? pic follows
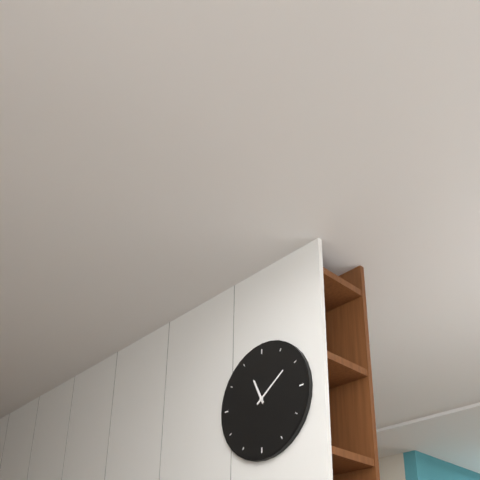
11:09
